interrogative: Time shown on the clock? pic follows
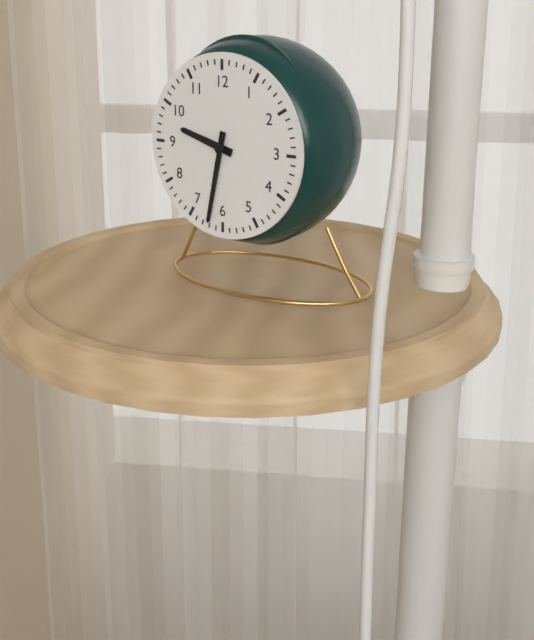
9:32
